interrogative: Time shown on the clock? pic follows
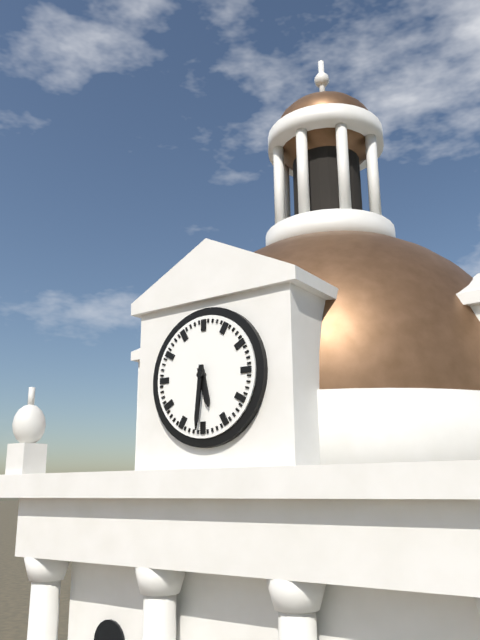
5:31
